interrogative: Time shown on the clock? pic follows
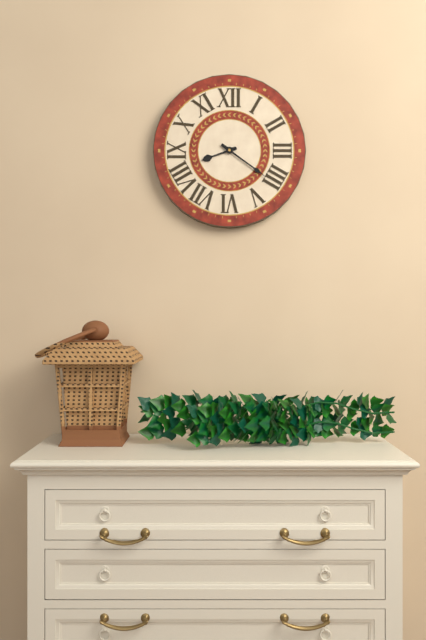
8:21
